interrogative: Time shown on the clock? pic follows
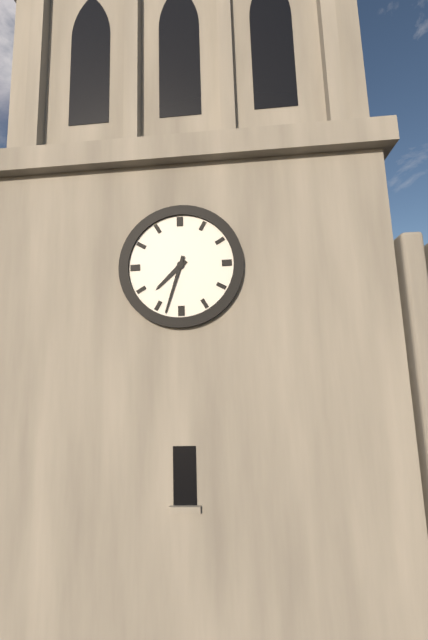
7:33
